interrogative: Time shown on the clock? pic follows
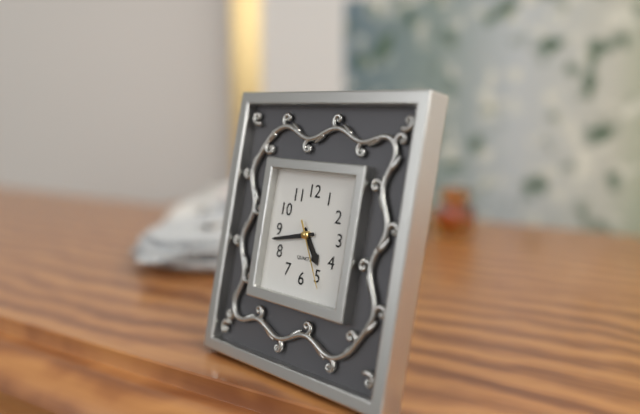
4:43:25
